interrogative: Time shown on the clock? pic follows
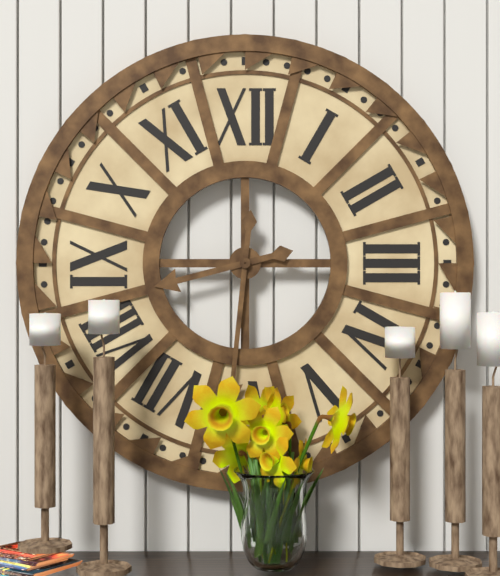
8:31
